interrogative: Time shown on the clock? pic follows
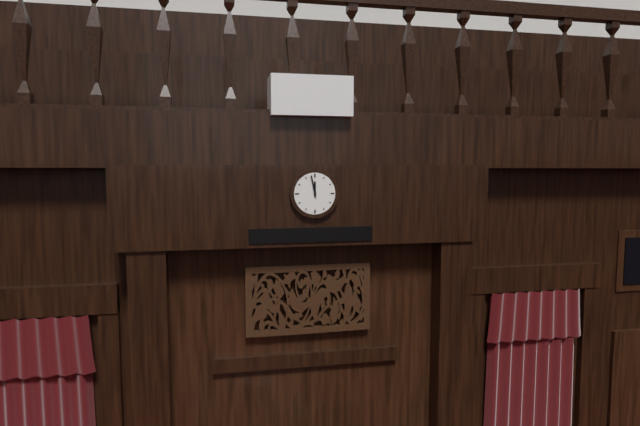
11:58
